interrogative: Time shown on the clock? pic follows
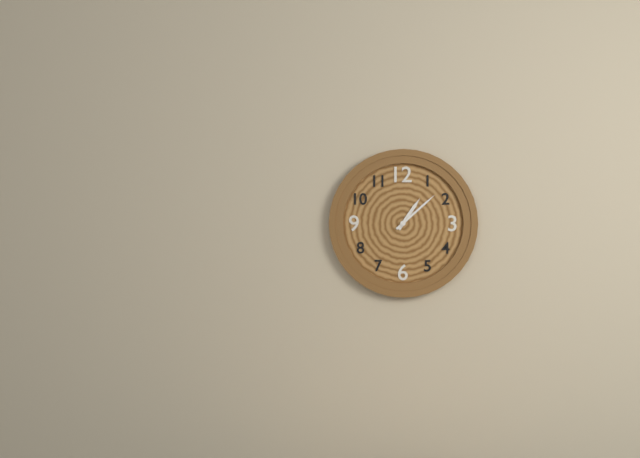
1:08
